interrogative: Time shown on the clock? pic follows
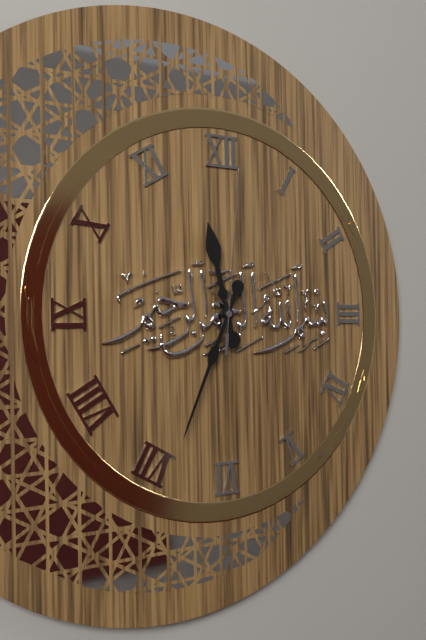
11:34:01
